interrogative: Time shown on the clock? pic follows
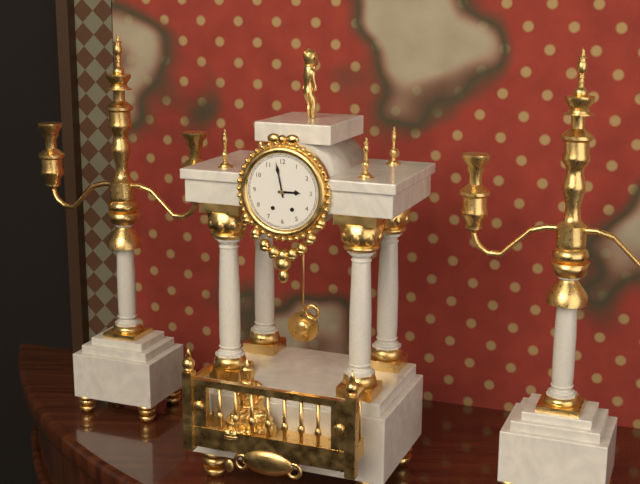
2:58
